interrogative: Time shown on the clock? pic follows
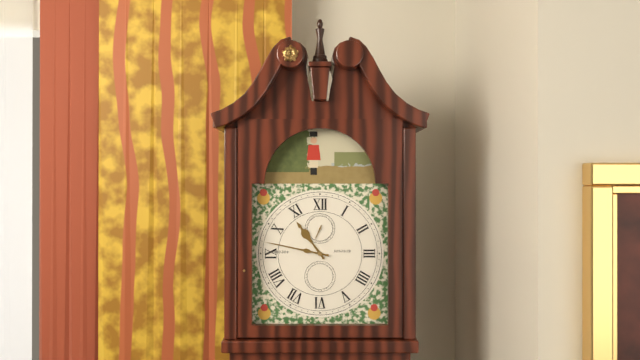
10:47
